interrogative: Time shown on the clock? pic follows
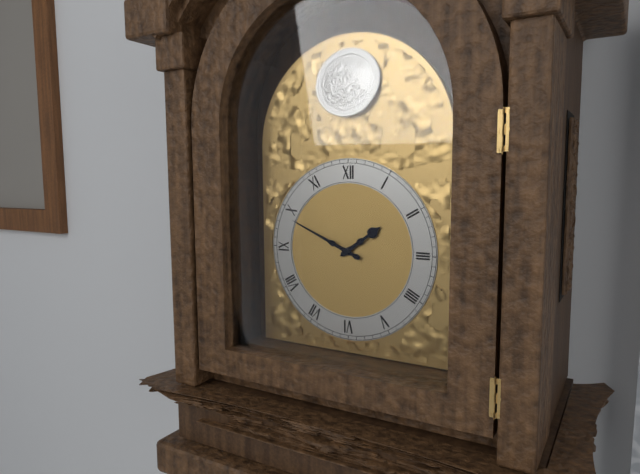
1:49
